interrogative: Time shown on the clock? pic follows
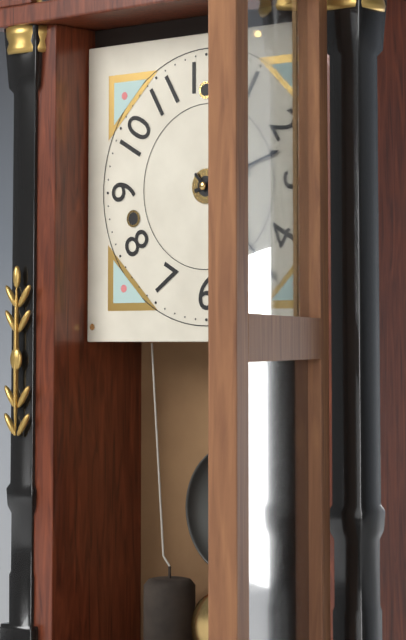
2:23
